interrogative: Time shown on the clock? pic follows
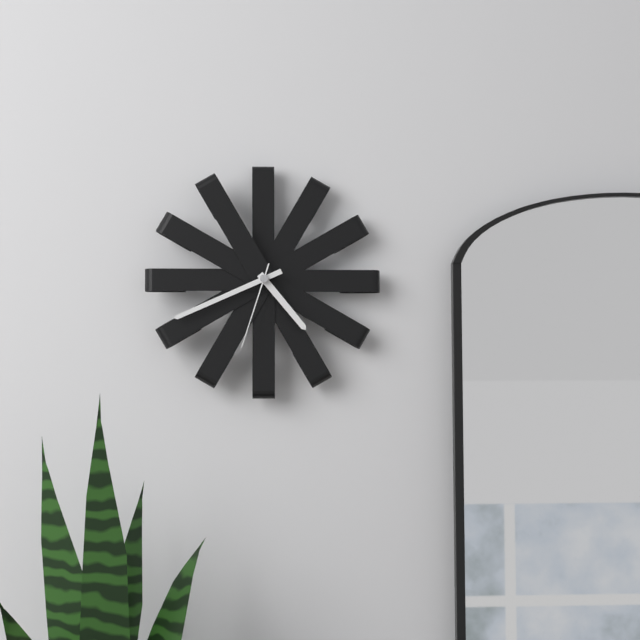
4:41:33
